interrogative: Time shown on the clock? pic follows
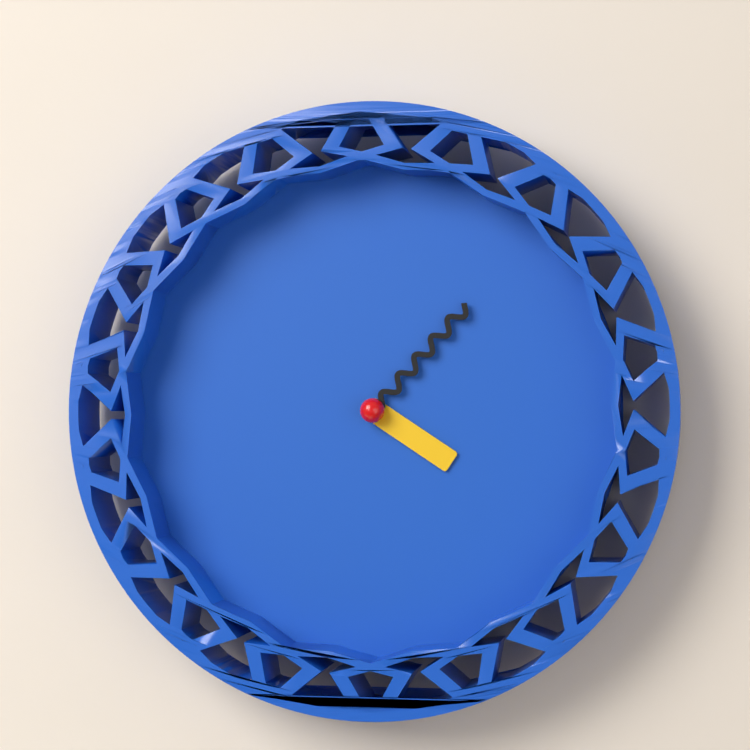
4:07
